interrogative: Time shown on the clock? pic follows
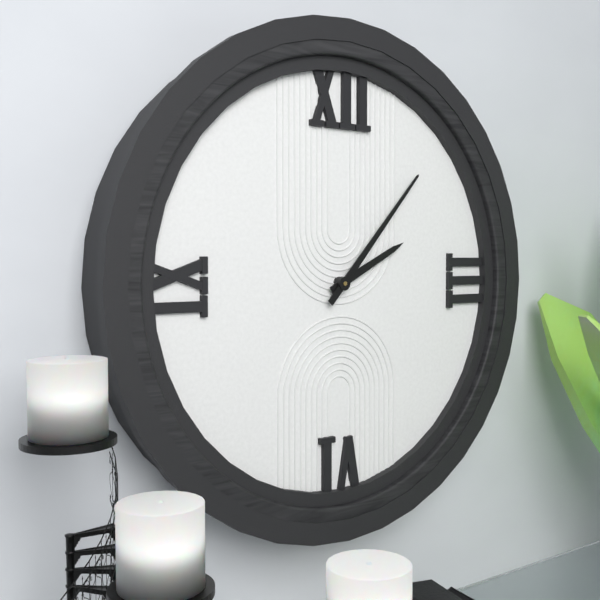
2:07
